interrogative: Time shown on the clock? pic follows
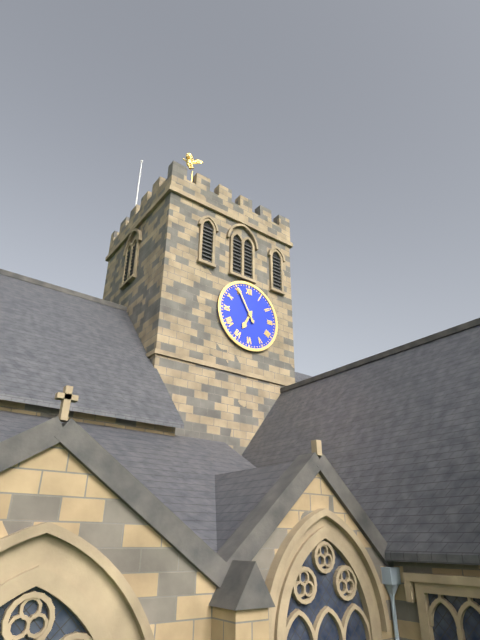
6:55
